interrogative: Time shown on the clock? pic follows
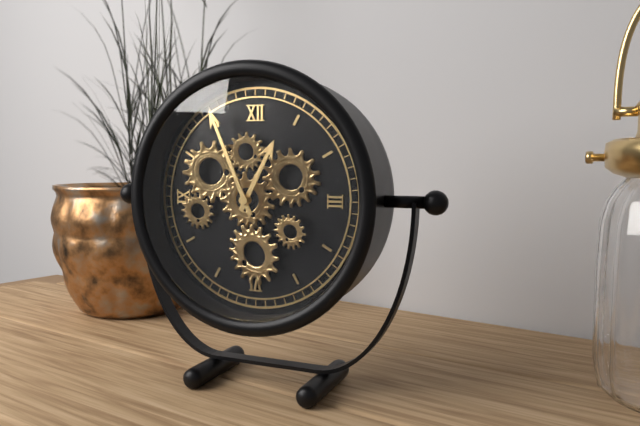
12:56
